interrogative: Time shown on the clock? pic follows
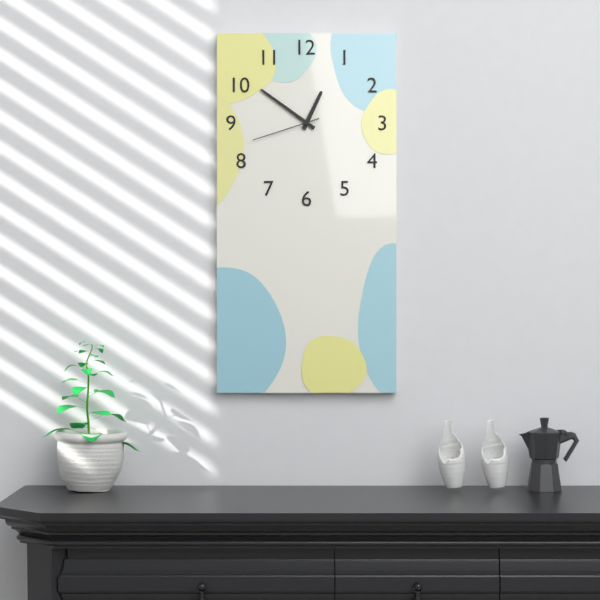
12:51:42
